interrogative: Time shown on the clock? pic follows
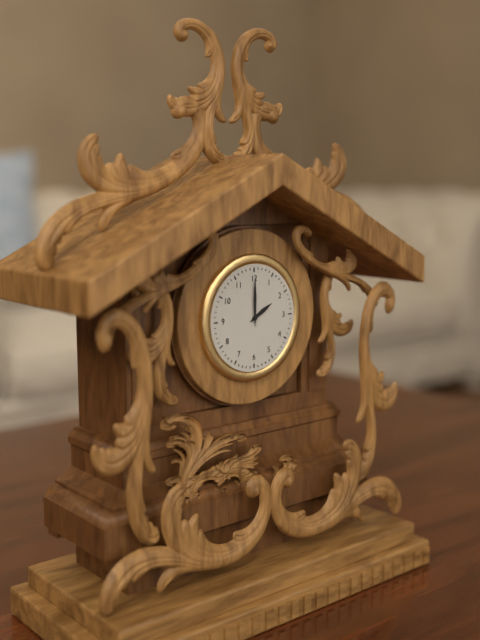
2:00
